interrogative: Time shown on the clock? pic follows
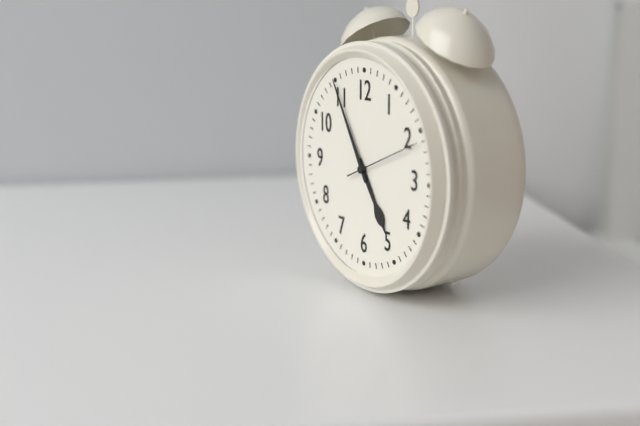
4:55:11
